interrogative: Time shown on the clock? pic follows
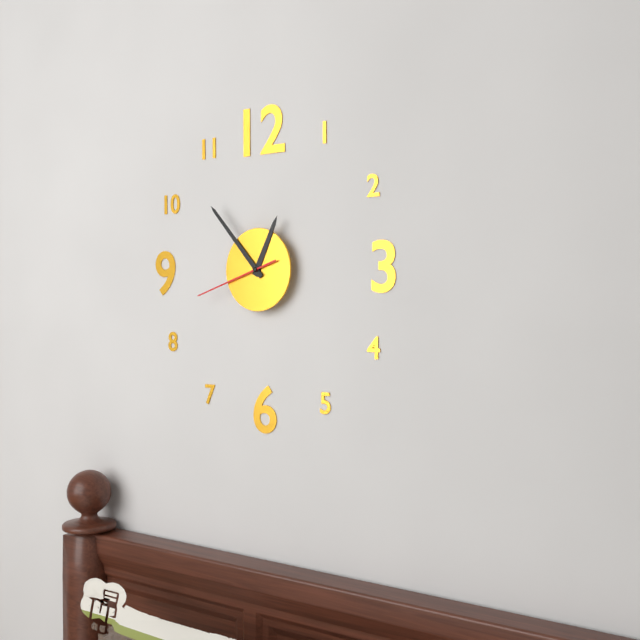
12:53:42
